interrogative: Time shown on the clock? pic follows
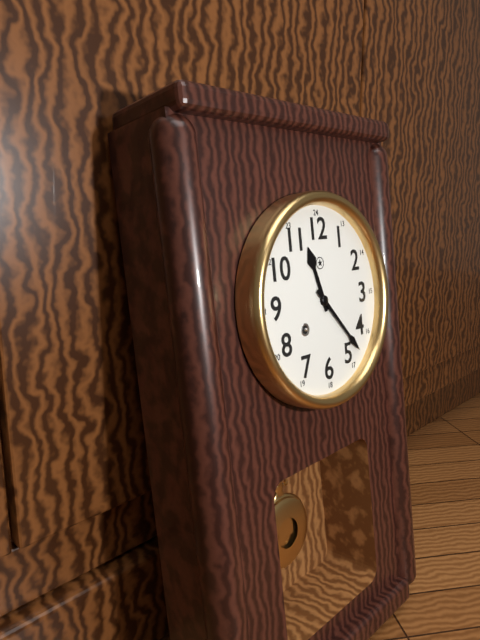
11:23
